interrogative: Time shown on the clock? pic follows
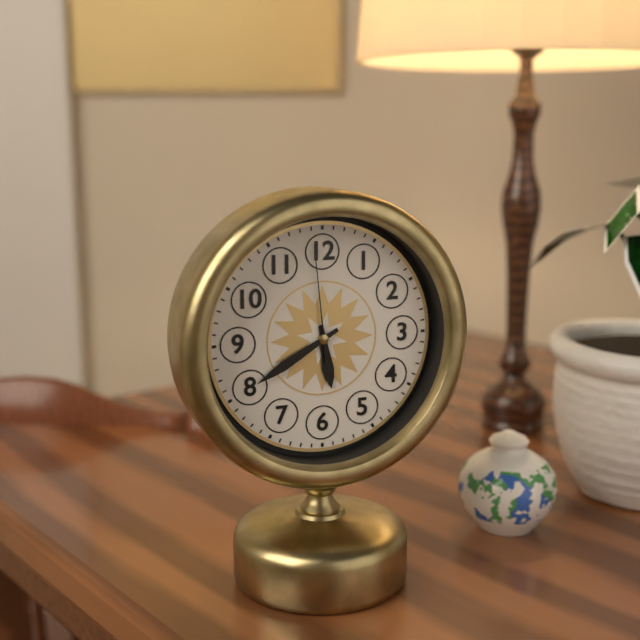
5:40:59
